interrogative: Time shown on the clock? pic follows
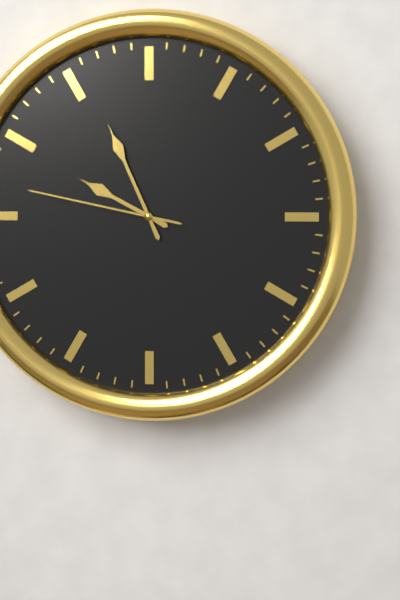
9:56:47
